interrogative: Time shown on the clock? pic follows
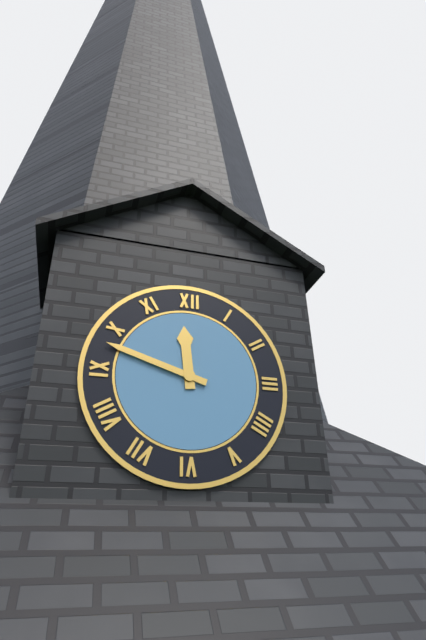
11:48
